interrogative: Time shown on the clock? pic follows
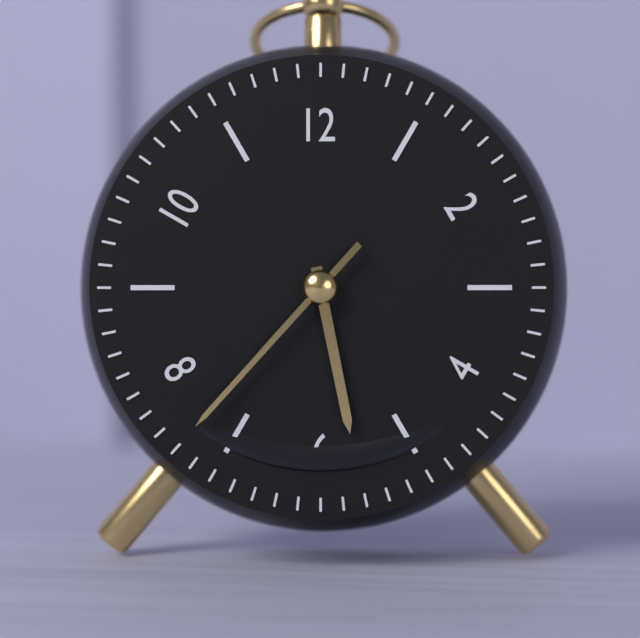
5:37
